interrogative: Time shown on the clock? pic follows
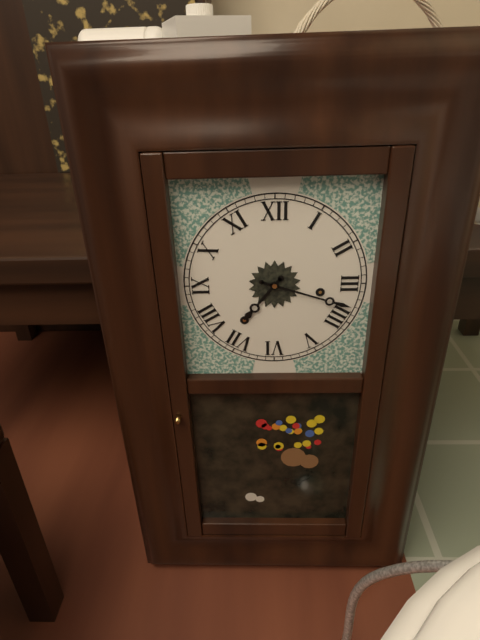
7:18
